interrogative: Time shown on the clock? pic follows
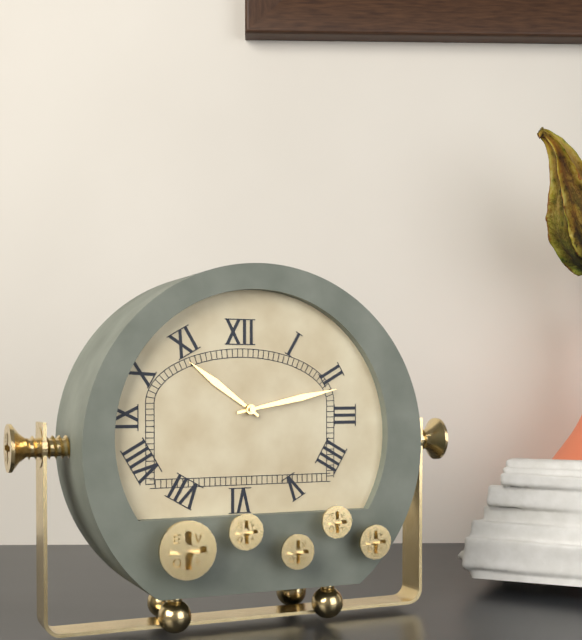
10:13
